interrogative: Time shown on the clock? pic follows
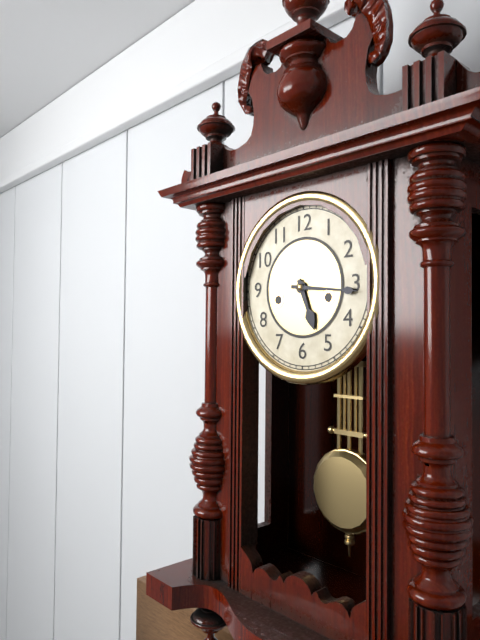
5:16
